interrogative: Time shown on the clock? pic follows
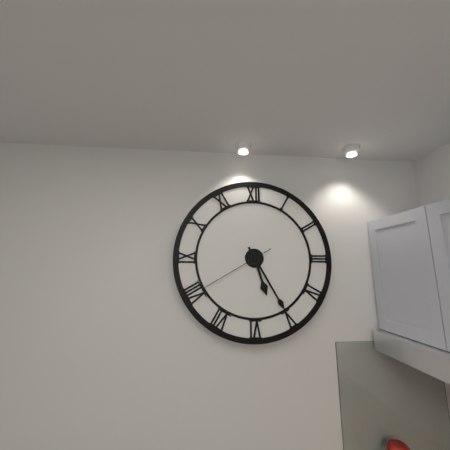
5:25:40
